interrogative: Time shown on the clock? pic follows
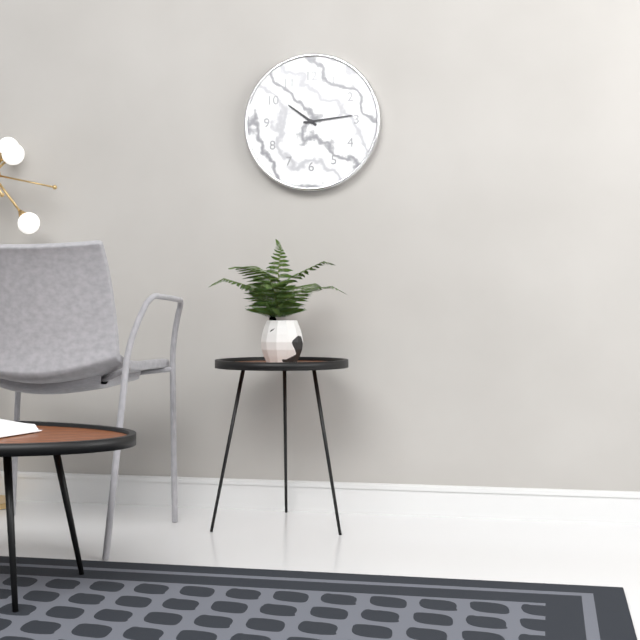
10:14
